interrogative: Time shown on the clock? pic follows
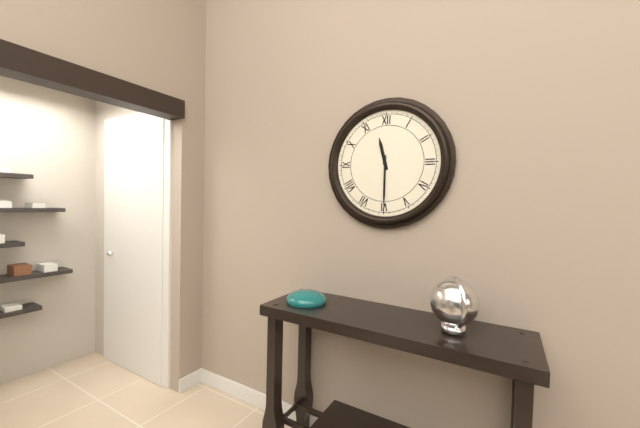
11:30
